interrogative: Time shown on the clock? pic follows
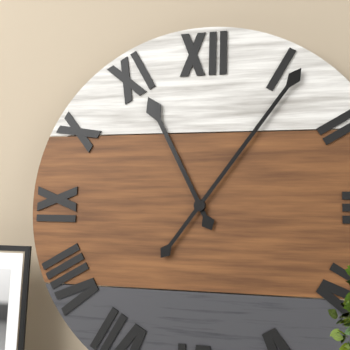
11:06
